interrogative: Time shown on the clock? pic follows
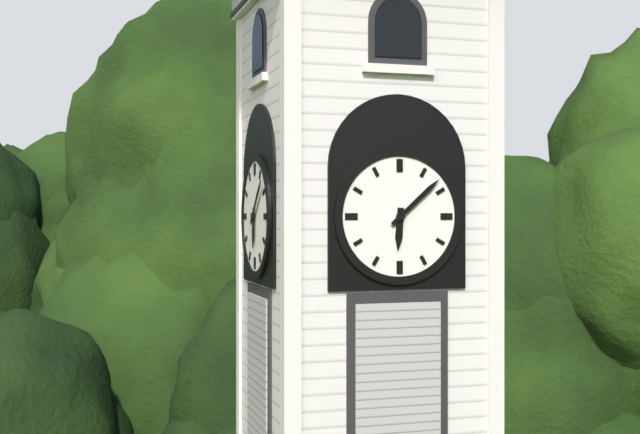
6:08
